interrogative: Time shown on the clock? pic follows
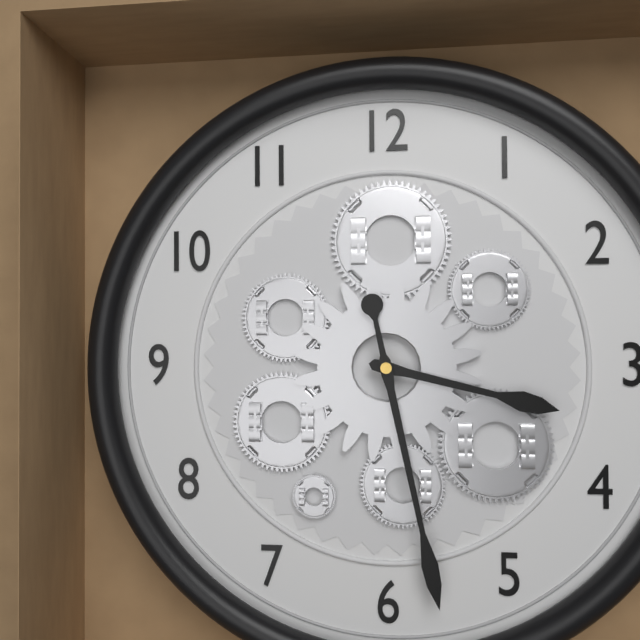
3:28
